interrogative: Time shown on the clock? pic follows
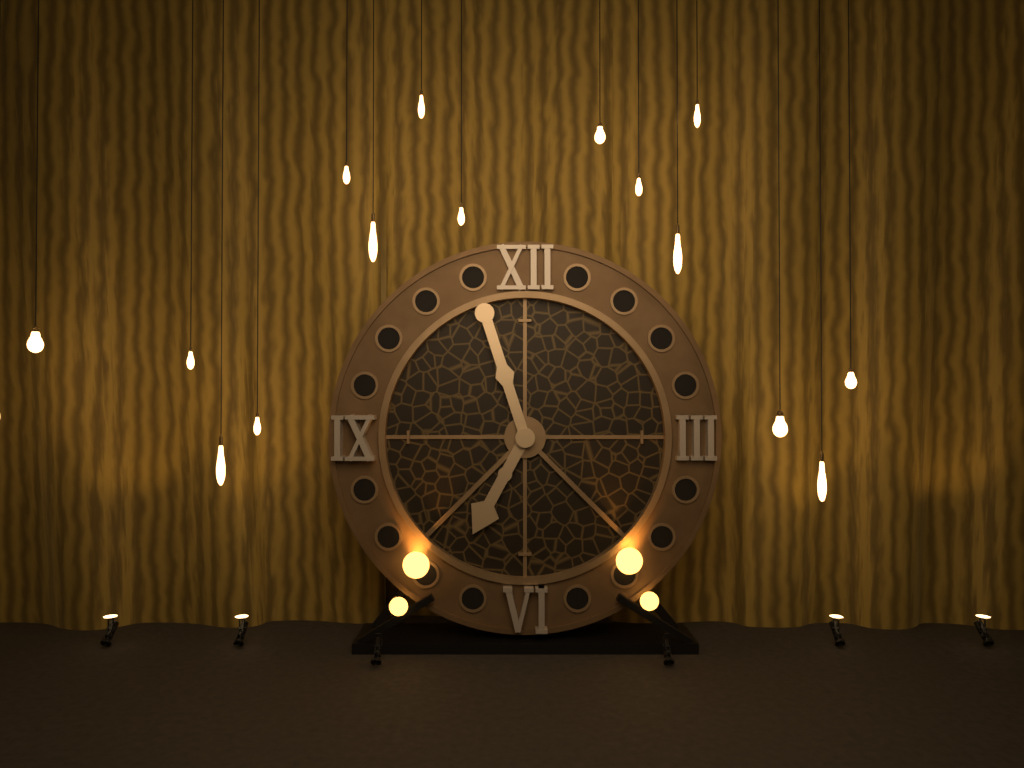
6:57
